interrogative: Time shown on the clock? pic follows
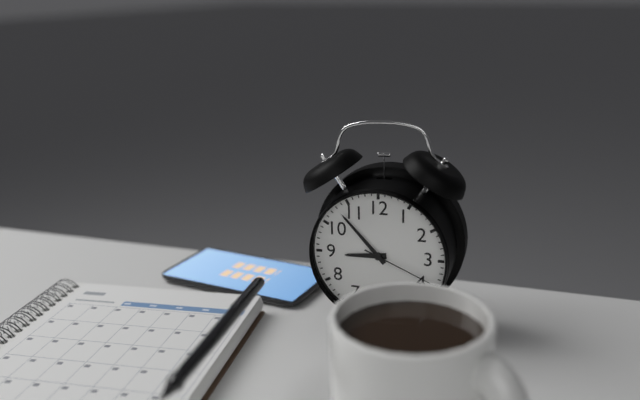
8:53:19
